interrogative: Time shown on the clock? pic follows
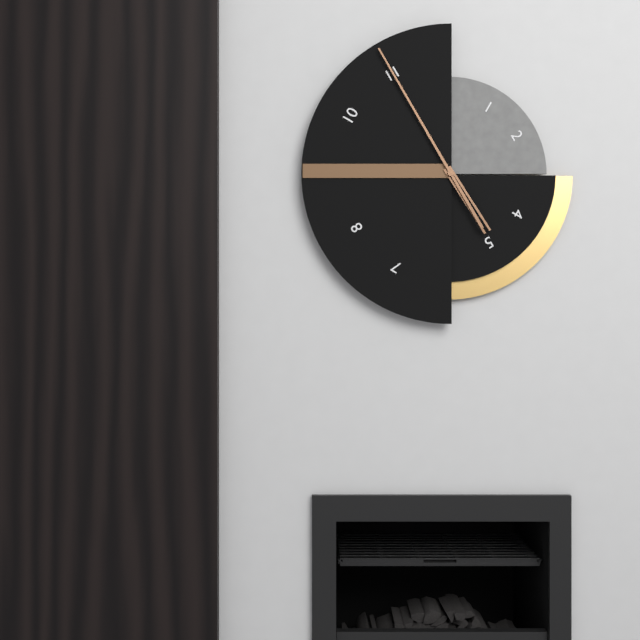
4:55
